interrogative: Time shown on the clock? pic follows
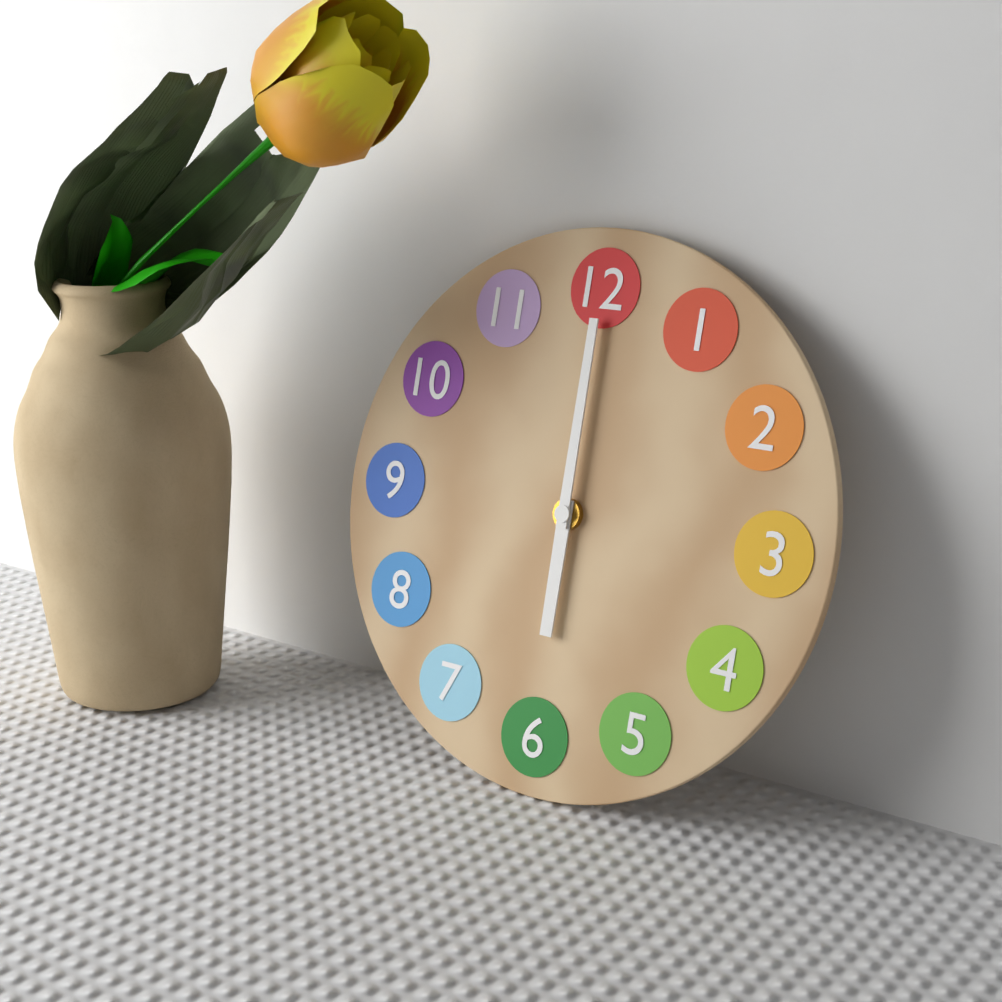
6:00
